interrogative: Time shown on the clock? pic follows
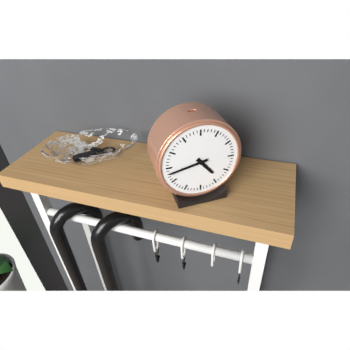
4:43
